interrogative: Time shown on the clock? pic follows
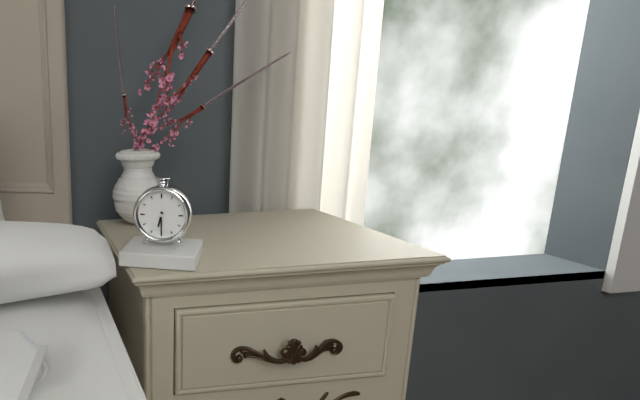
6:30
